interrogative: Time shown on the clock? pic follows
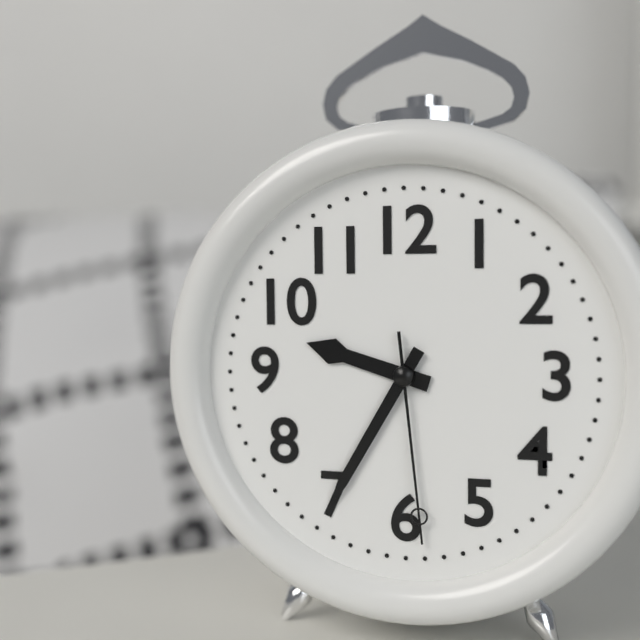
9:35:29
